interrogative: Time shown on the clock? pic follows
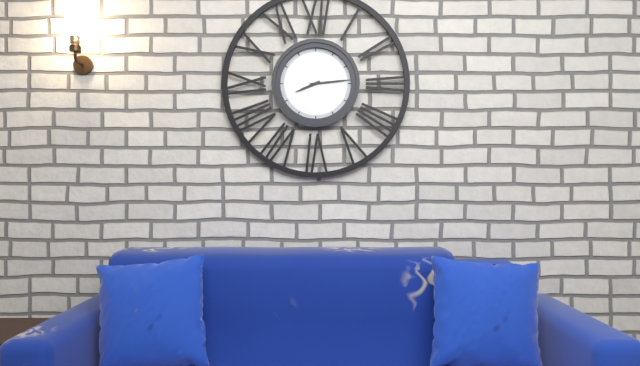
8:14
